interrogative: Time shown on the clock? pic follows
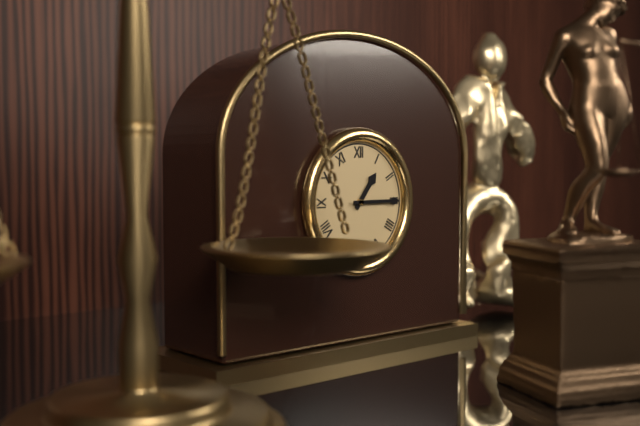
1:15
